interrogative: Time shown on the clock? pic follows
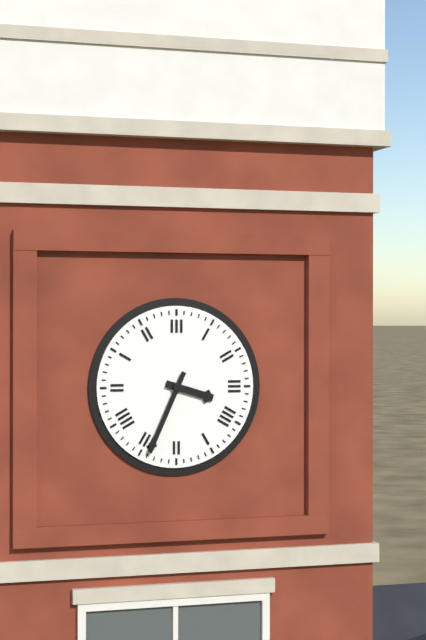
3:34
